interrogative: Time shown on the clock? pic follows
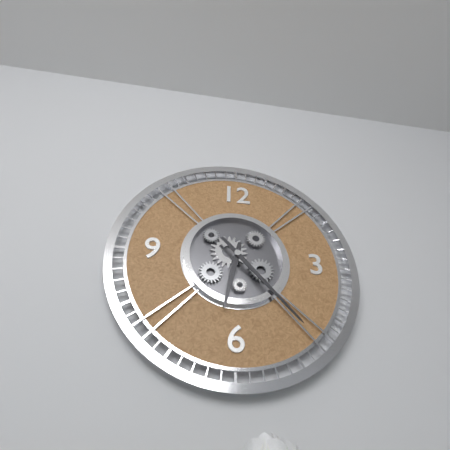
6:23
